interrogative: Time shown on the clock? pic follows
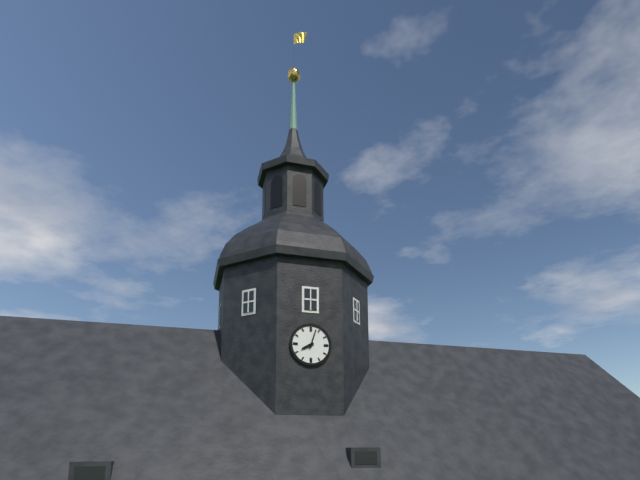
8:03
